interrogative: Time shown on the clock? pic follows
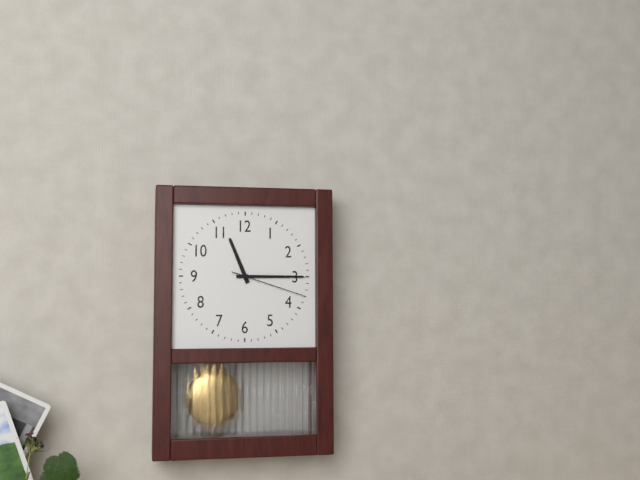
11:15:18
